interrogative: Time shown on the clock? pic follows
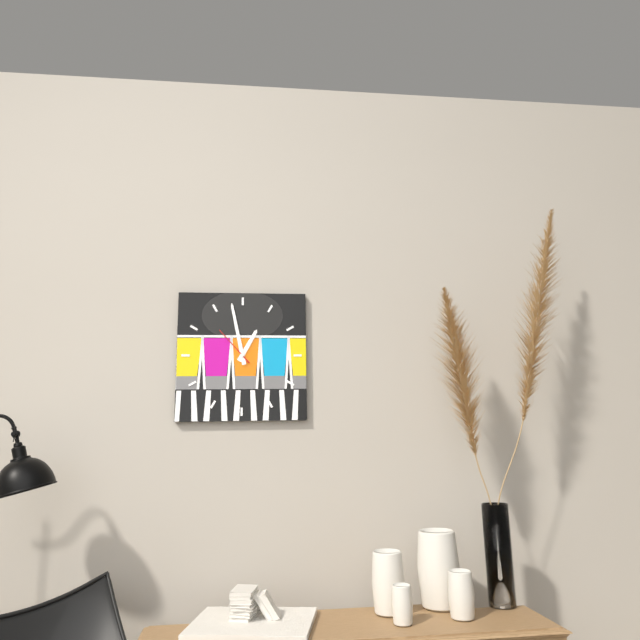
12:58
